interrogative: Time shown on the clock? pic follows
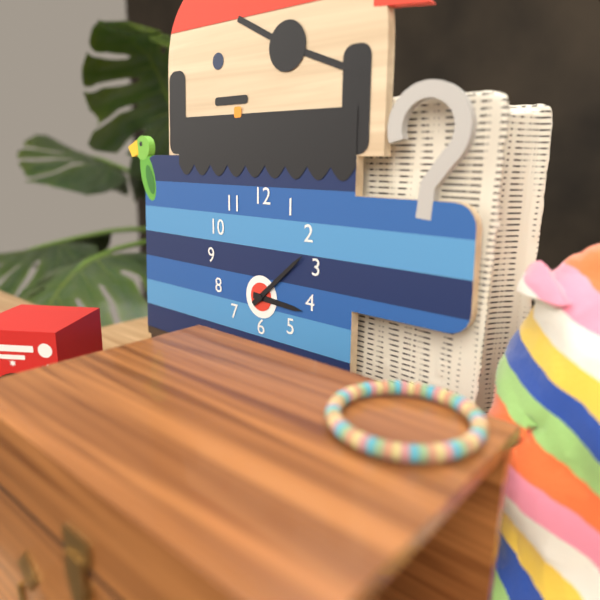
3:08
